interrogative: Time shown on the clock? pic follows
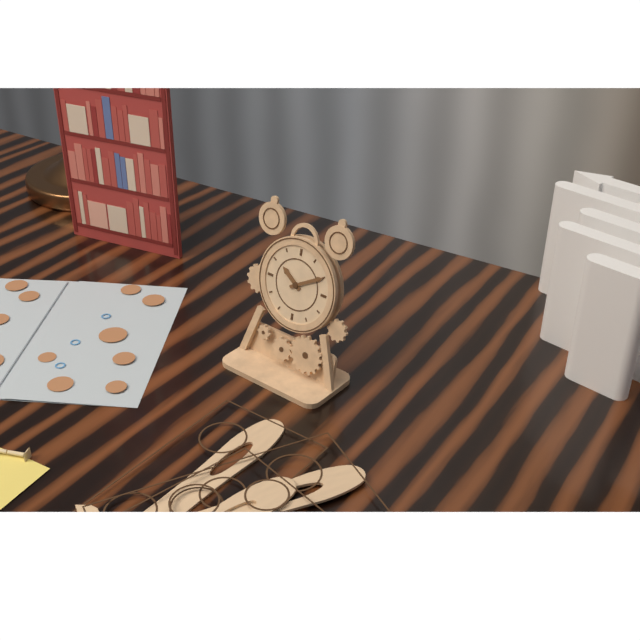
10:10
